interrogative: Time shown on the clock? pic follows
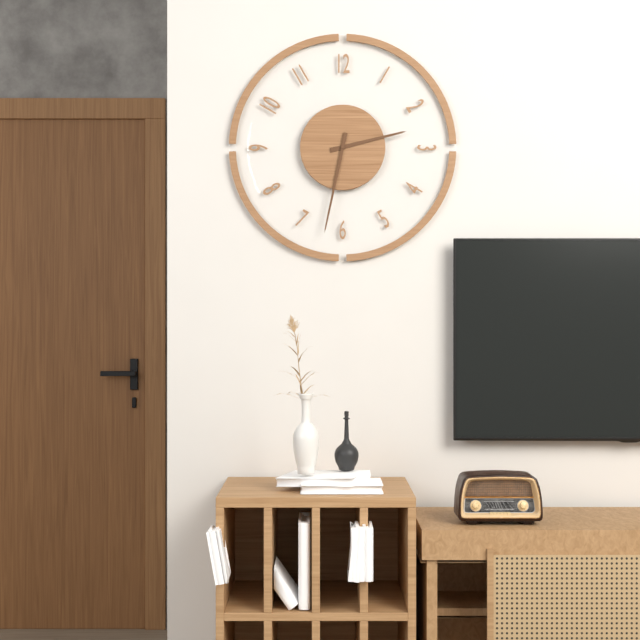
2:32
